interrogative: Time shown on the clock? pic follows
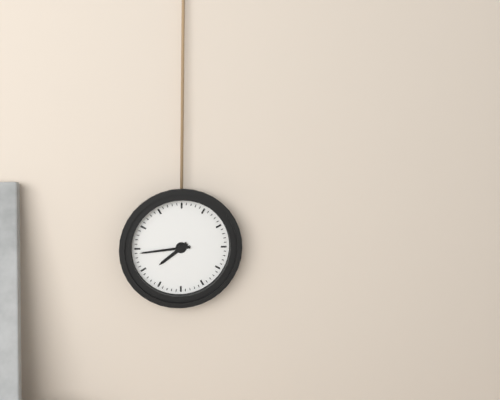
7:44
